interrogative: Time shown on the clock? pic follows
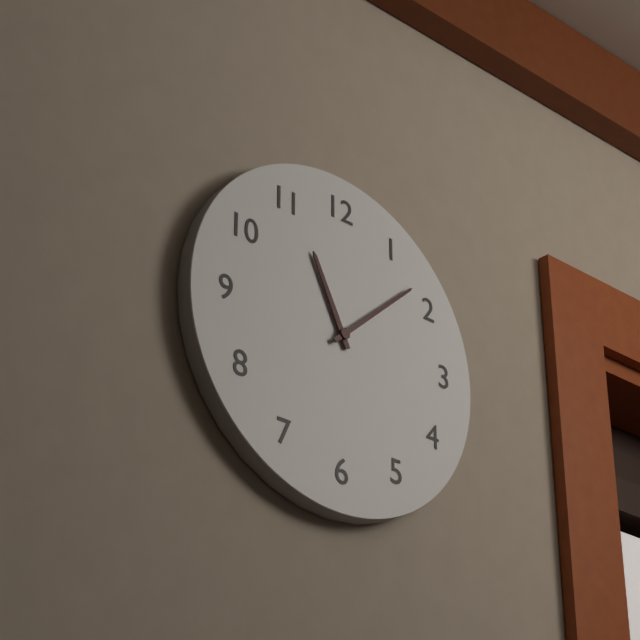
11:08
